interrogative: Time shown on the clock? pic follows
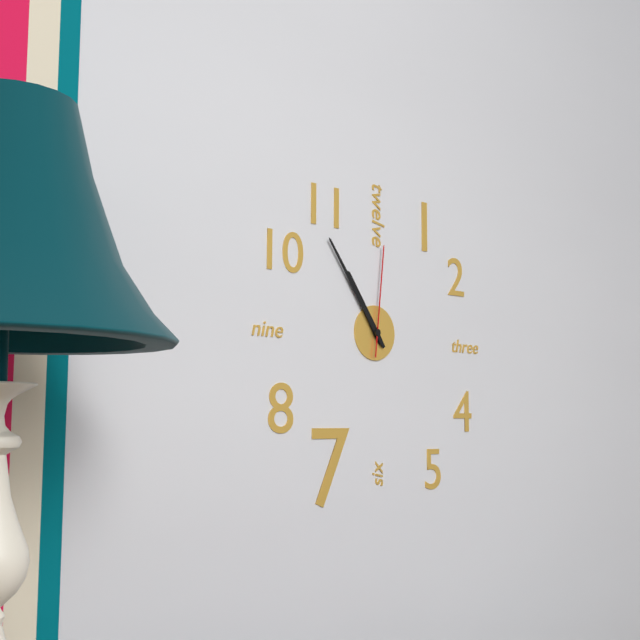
10:54:01
